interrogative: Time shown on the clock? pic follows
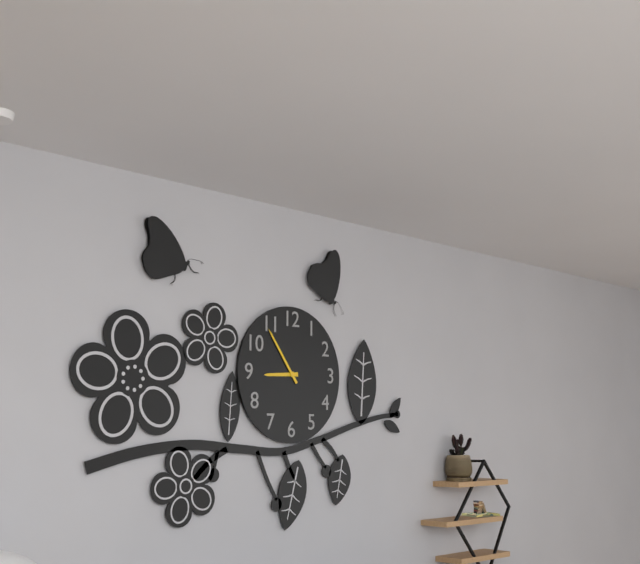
8:54
